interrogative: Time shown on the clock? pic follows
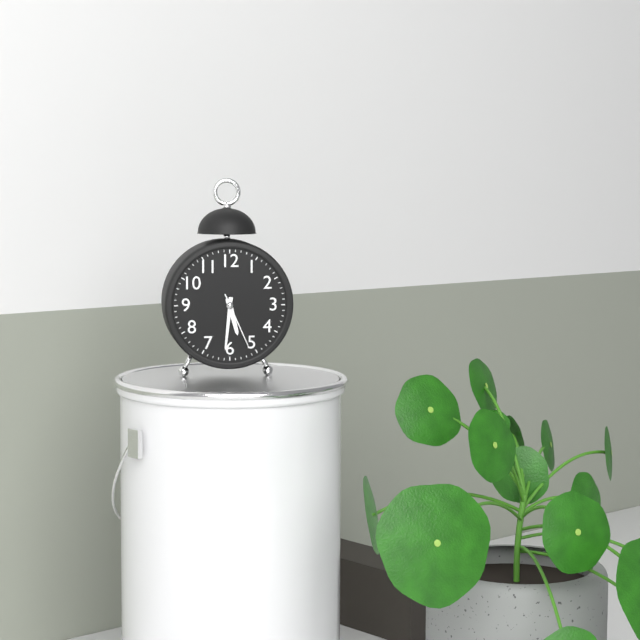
5:31:26
